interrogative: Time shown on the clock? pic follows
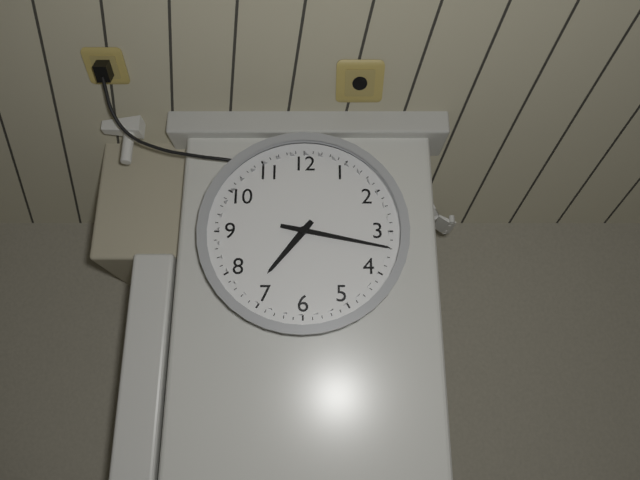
7:17
